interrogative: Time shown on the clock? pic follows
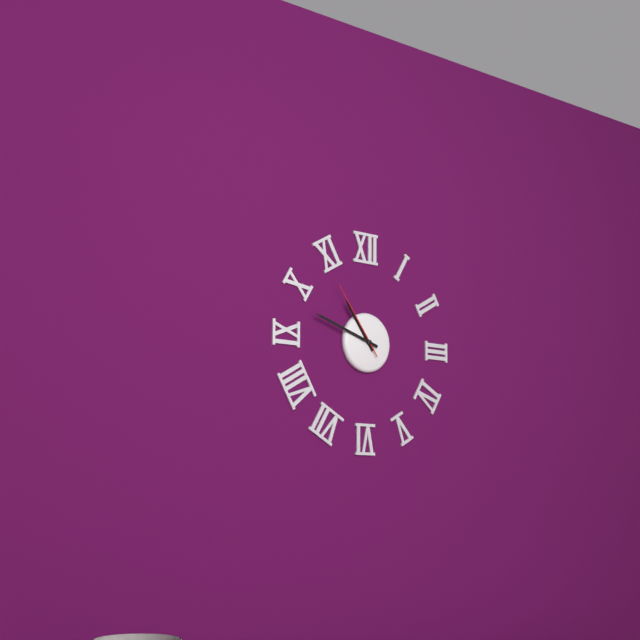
10:48:54
